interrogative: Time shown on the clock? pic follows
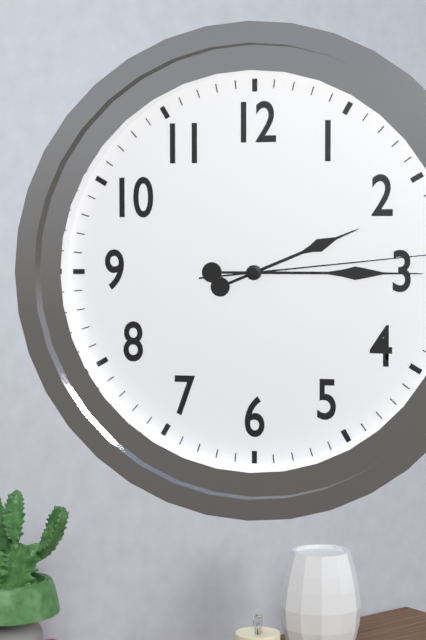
2:15
